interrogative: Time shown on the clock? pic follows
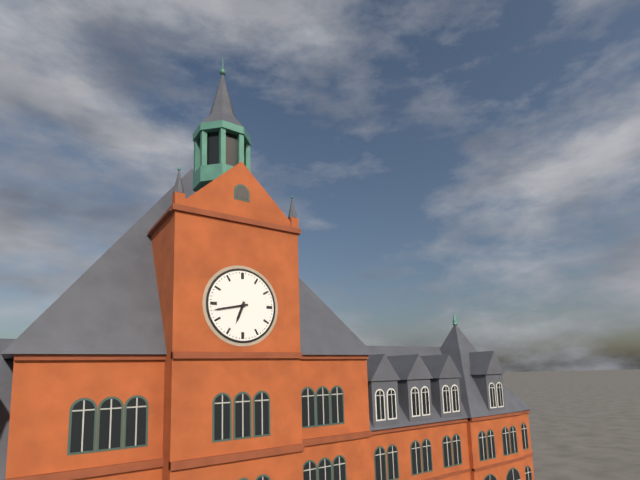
6:43
